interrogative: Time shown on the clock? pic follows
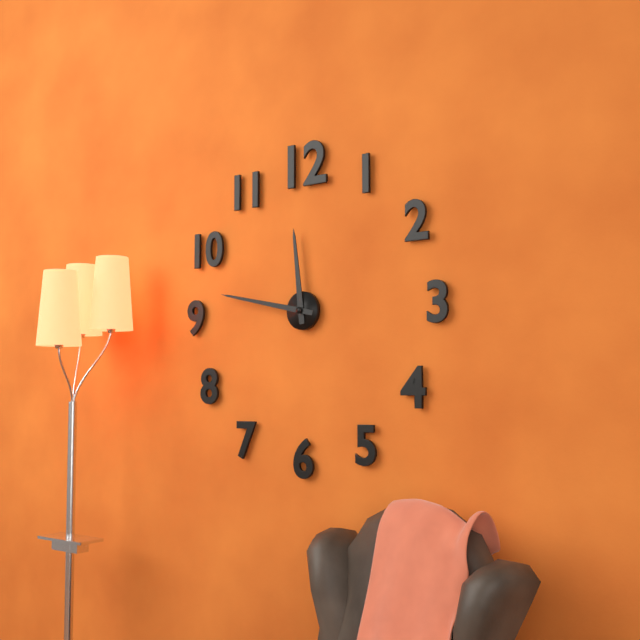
11:47
